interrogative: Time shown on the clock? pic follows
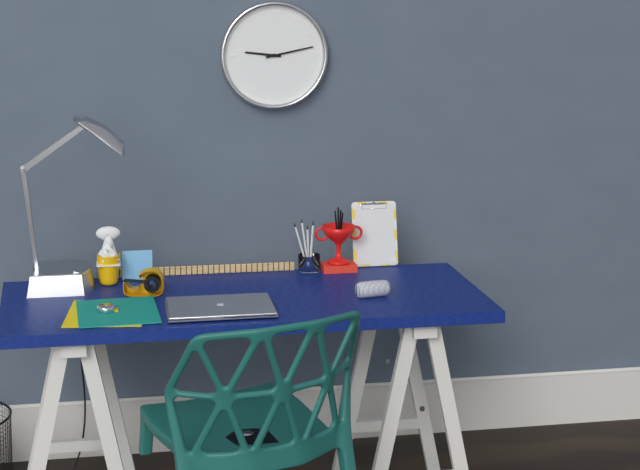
9:13
